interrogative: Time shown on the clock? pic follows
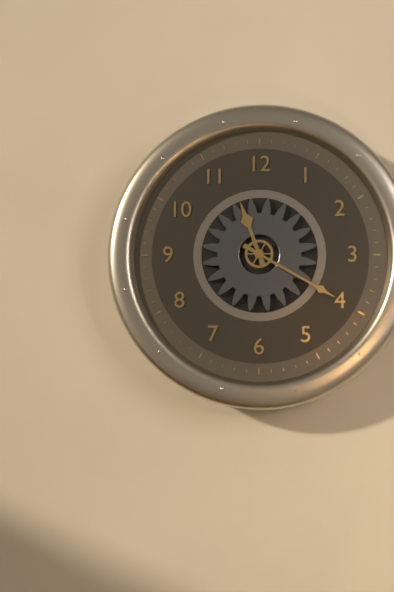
11:20
